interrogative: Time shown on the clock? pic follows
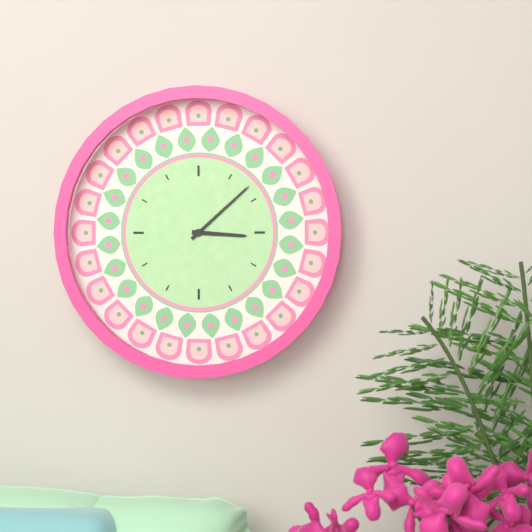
3:08
